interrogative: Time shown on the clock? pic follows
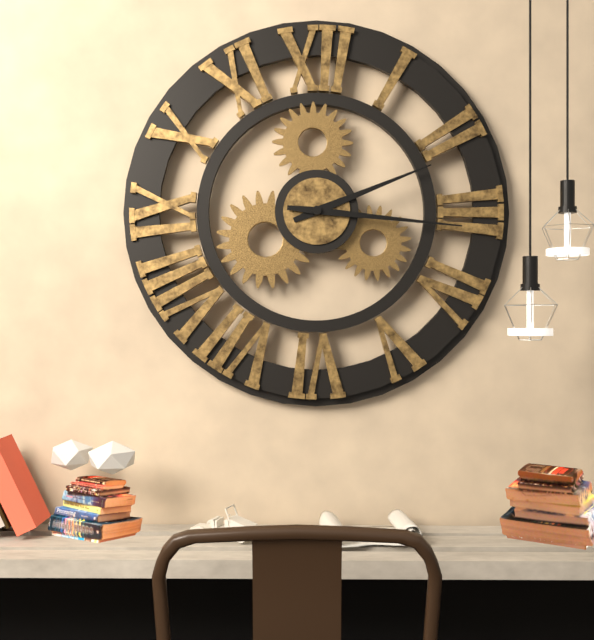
2:16
